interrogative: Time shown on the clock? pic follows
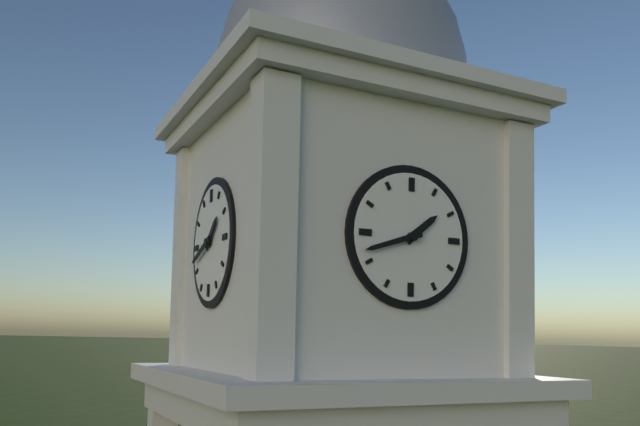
1:42
